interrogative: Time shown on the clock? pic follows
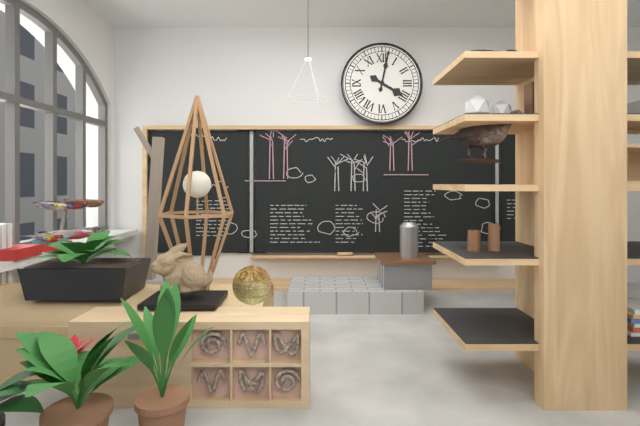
4:02
